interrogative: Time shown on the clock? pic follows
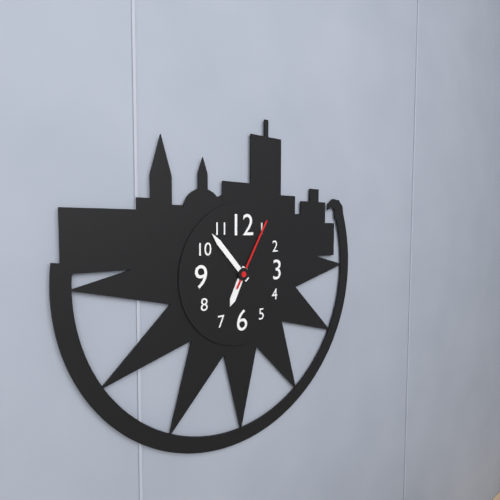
6:53:05
